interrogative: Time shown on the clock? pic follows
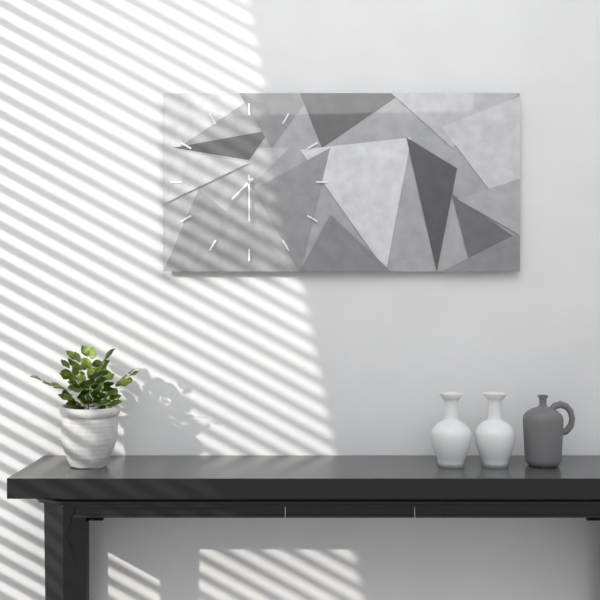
7:30
